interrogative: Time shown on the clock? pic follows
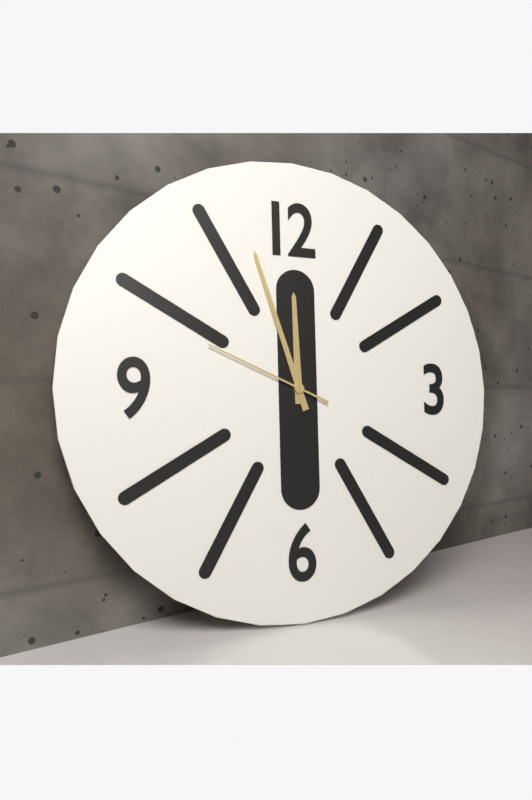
11:57:49
